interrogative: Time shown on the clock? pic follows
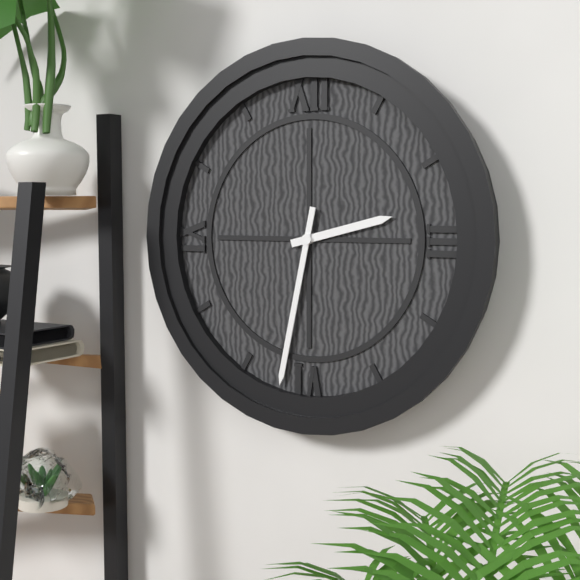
2:32
